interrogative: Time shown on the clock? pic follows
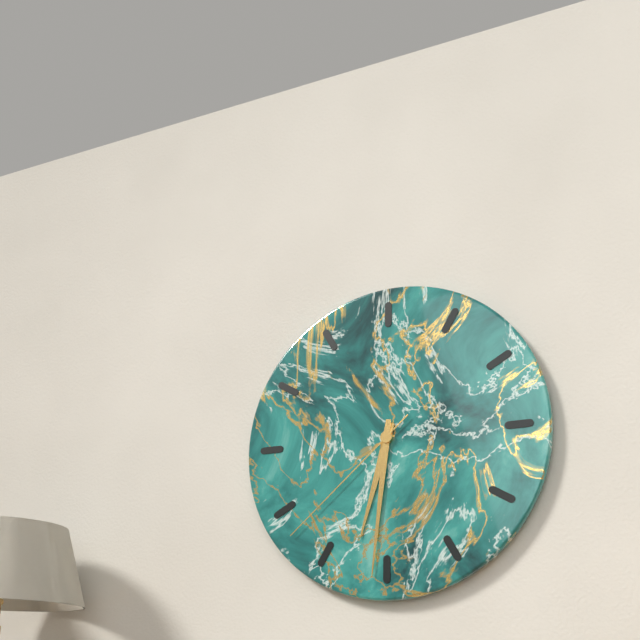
6:31:38
